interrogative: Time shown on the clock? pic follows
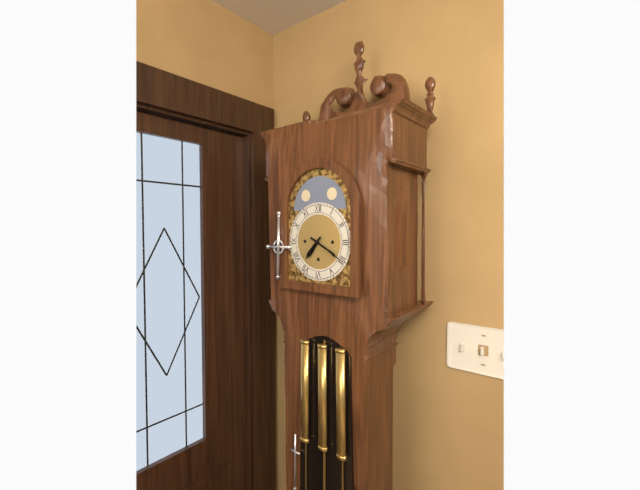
7:20
